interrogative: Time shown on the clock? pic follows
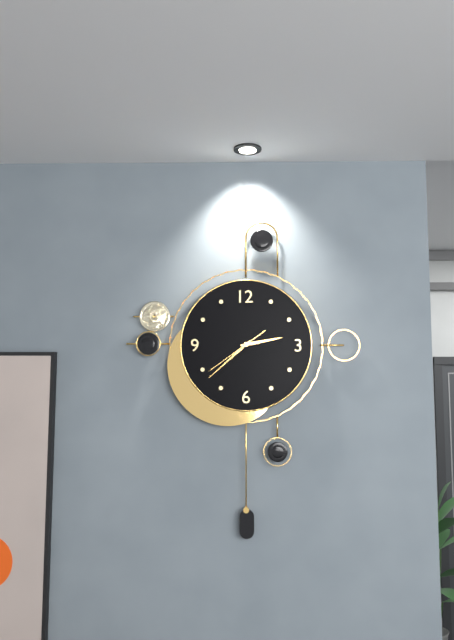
2:38:39
